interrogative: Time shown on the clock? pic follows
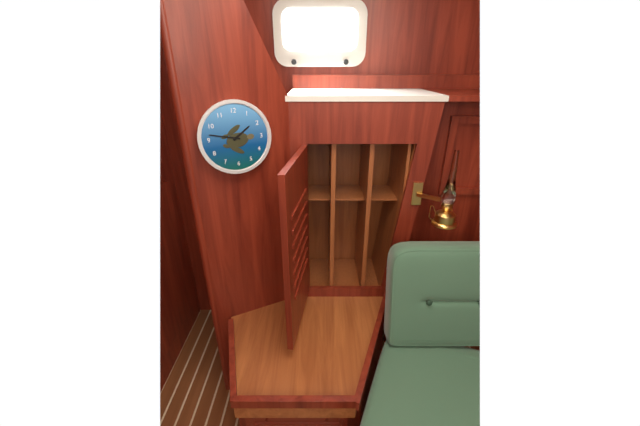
1:47
